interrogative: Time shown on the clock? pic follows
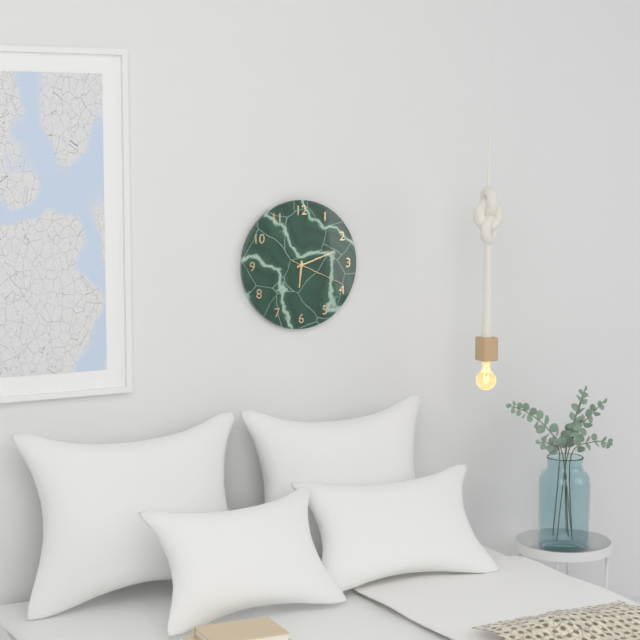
6:12:19
